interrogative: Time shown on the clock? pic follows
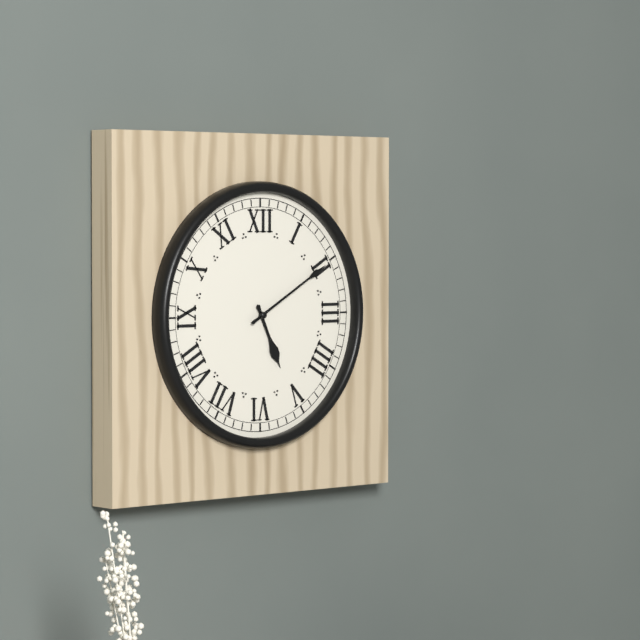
5:10
